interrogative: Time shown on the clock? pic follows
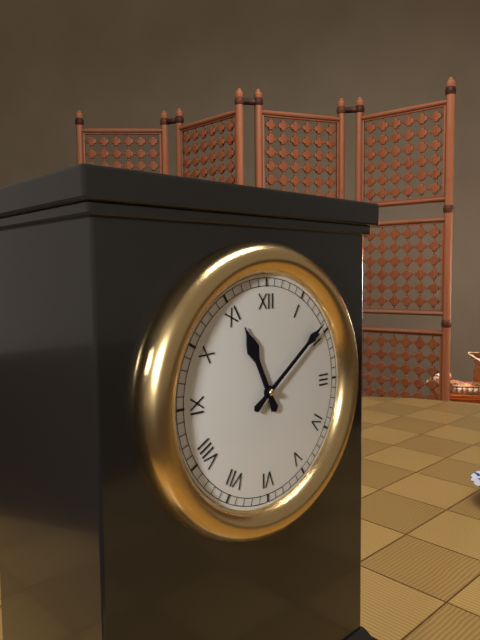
11:09
